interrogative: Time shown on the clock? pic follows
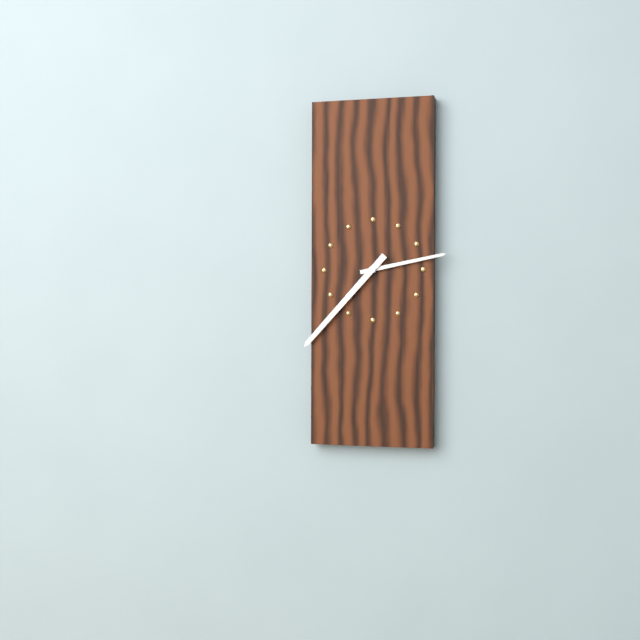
2:37
